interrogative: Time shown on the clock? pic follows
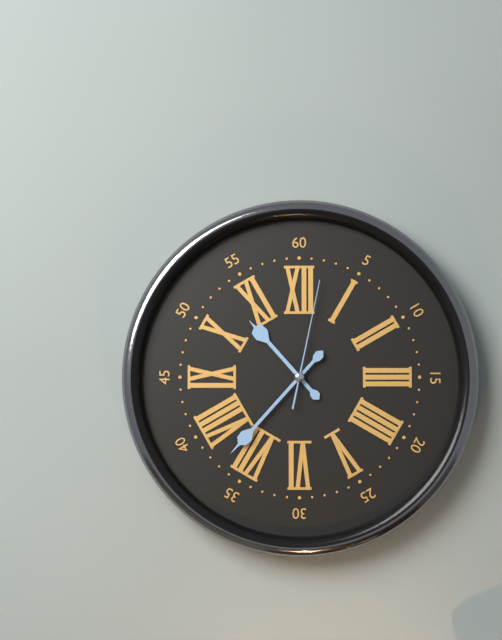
10:37:02
